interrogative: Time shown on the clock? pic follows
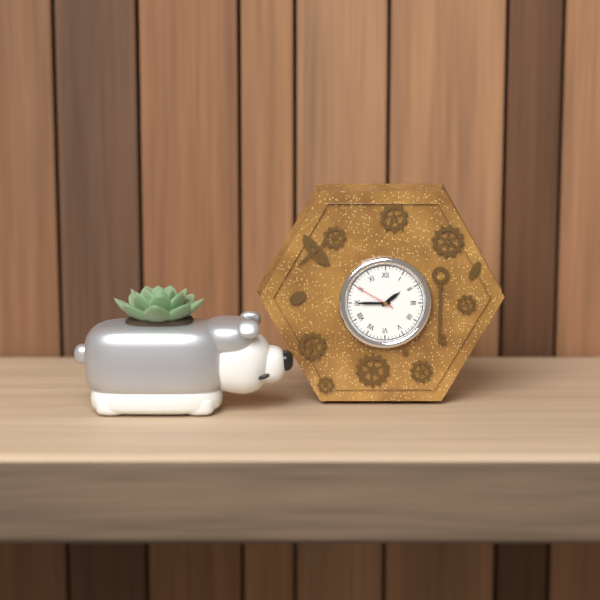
1:45
